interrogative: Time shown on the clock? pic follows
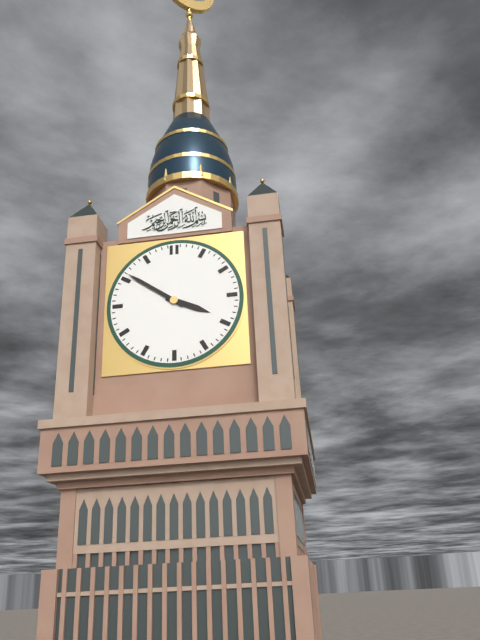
3:51
